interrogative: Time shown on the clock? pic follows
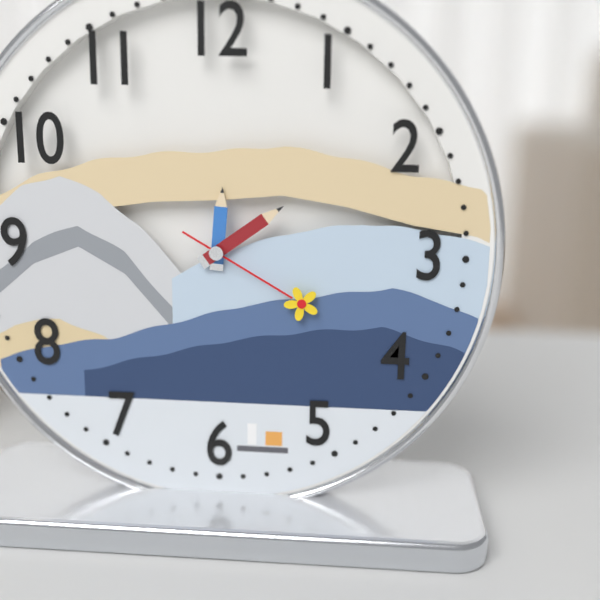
12:09:20
